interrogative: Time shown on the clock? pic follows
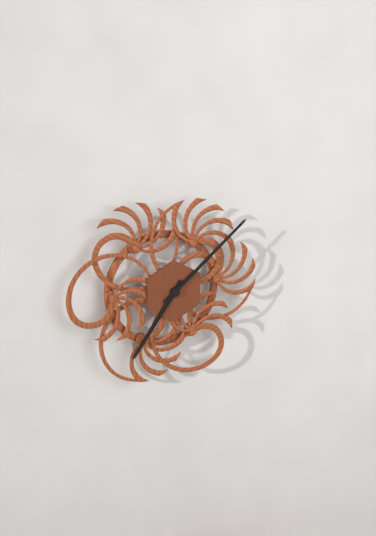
7:08
